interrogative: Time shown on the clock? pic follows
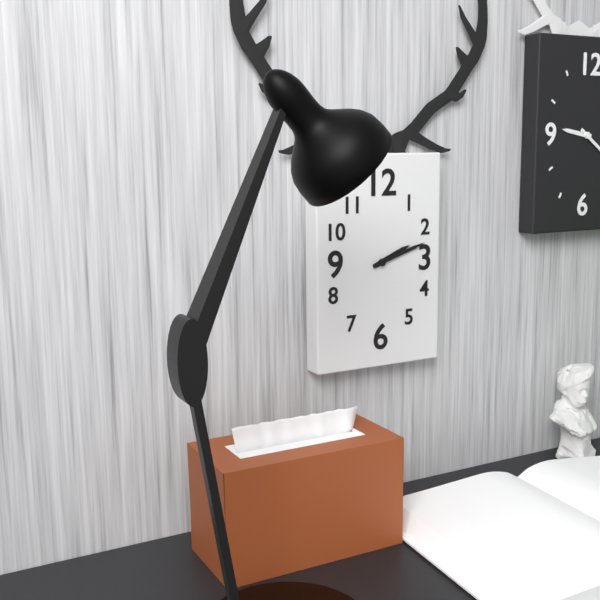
2:12
